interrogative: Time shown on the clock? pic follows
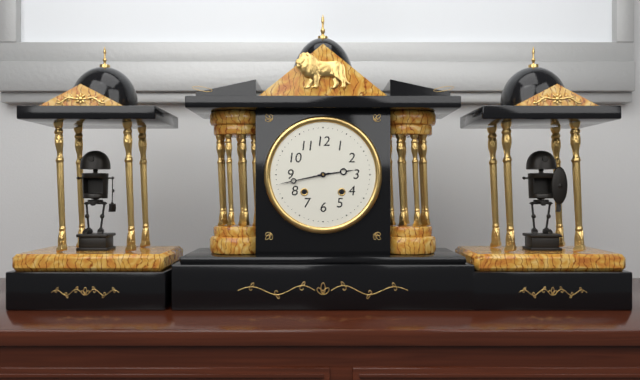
2:43
